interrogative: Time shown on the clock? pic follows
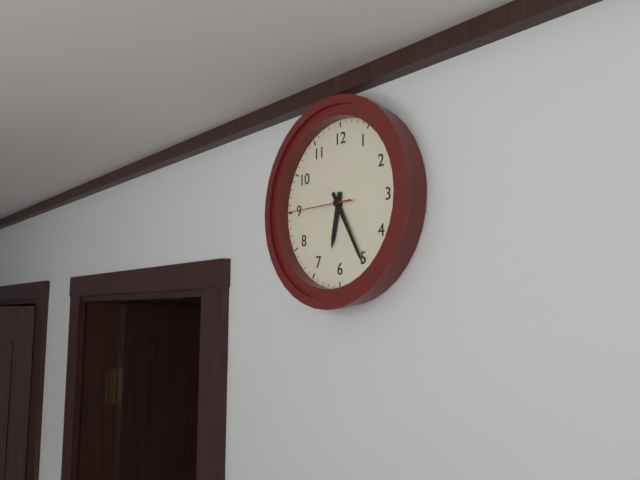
6:25:45
